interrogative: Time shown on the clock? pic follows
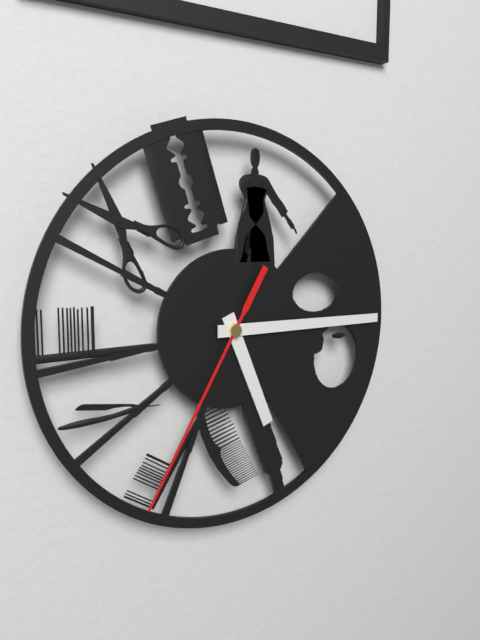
5:15:35
